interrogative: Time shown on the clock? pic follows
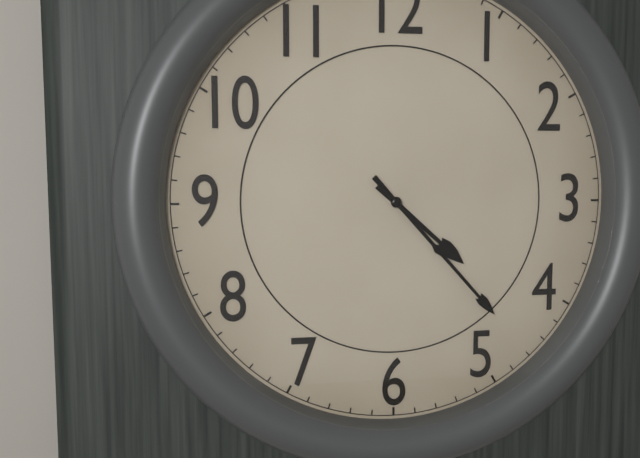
4:23
